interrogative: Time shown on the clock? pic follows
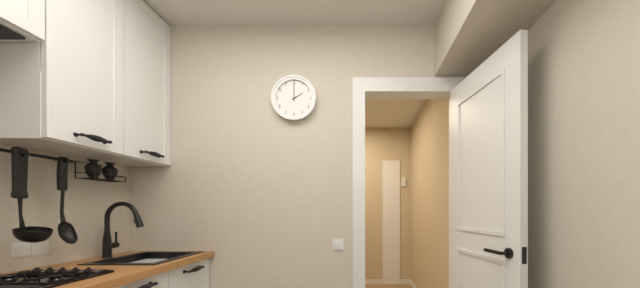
2:00
